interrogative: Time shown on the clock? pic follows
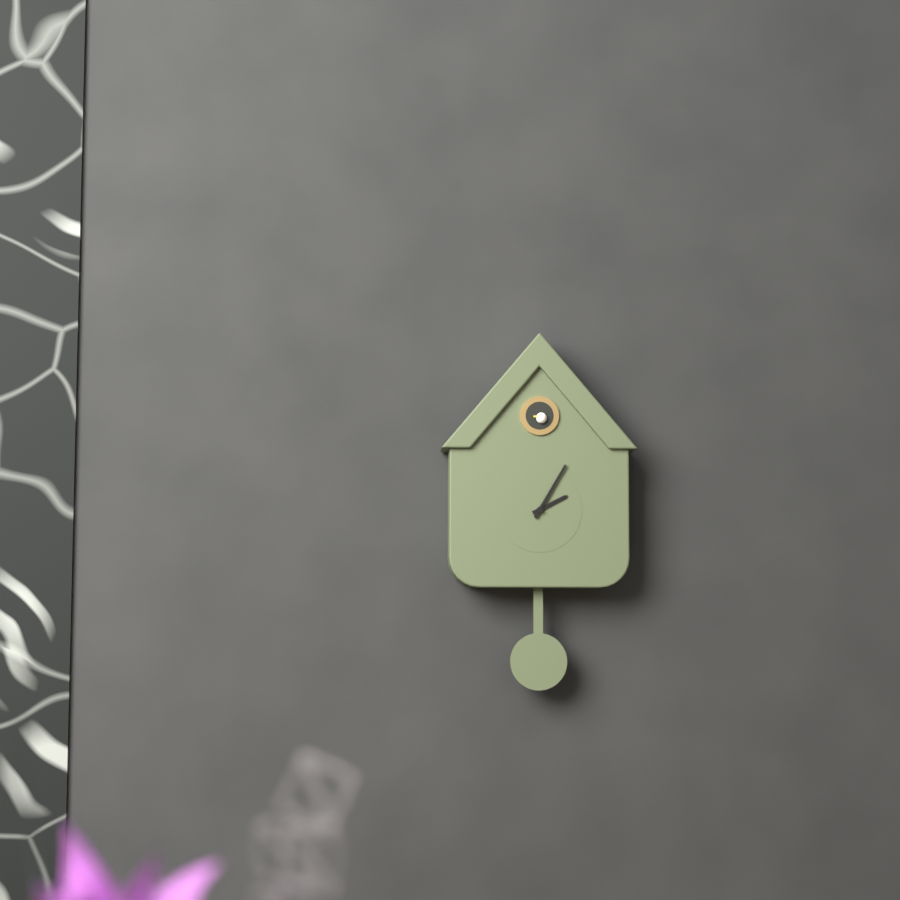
2:05
